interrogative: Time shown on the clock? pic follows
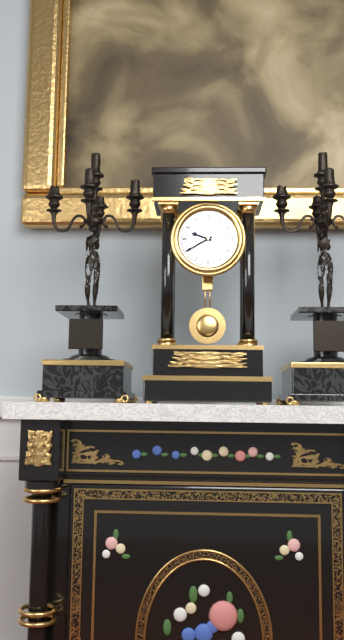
9:40
